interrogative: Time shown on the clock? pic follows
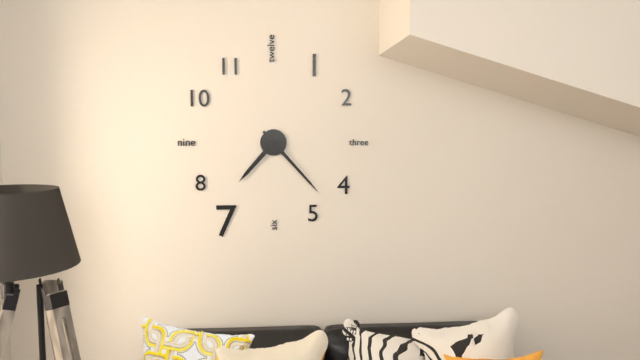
7:23
